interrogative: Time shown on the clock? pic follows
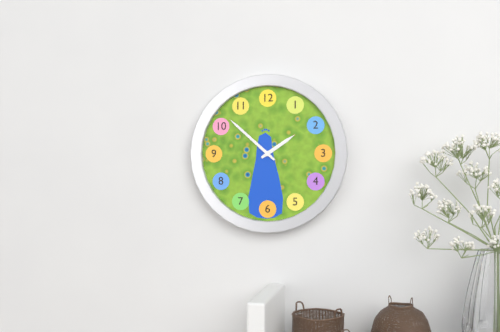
1:52
